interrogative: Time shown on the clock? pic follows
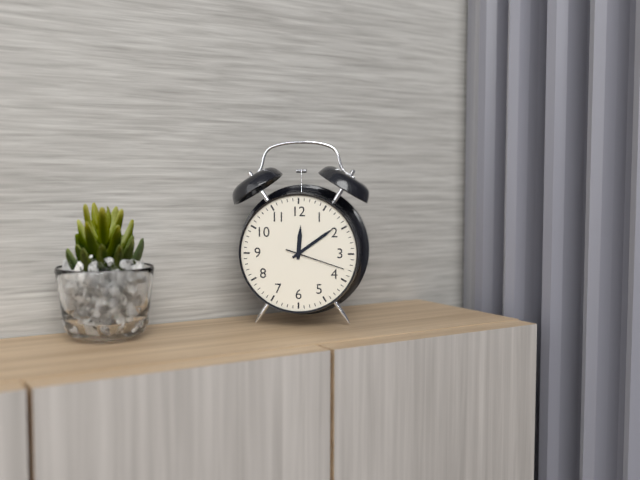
12:09:18
